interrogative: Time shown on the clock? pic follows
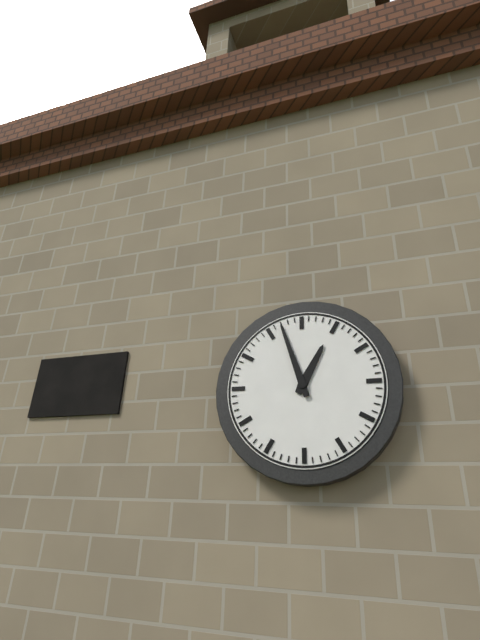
12:57
